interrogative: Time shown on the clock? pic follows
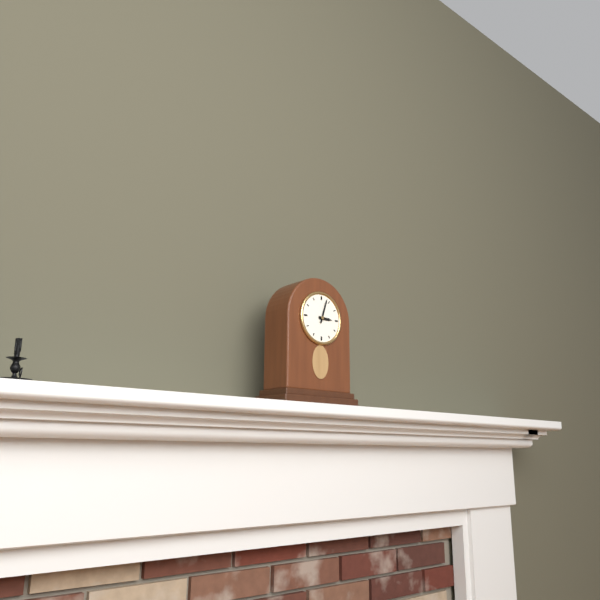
3:03
